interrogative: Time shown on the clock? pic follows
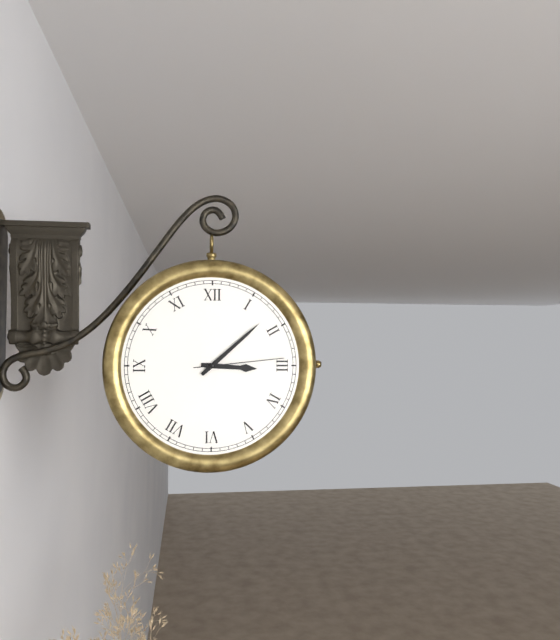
3:08:14
